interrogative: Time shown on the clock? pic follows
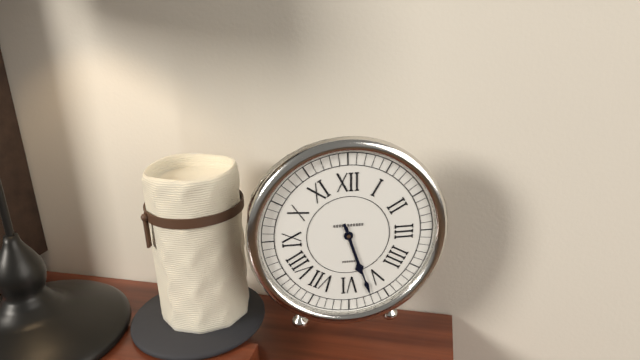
5:27
